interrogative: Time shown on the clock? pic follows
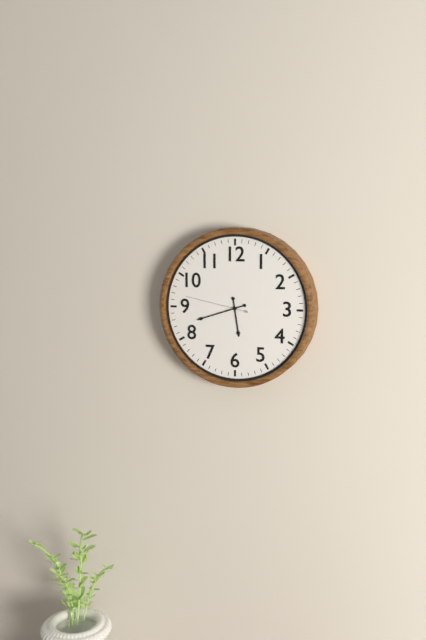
5:42:47
